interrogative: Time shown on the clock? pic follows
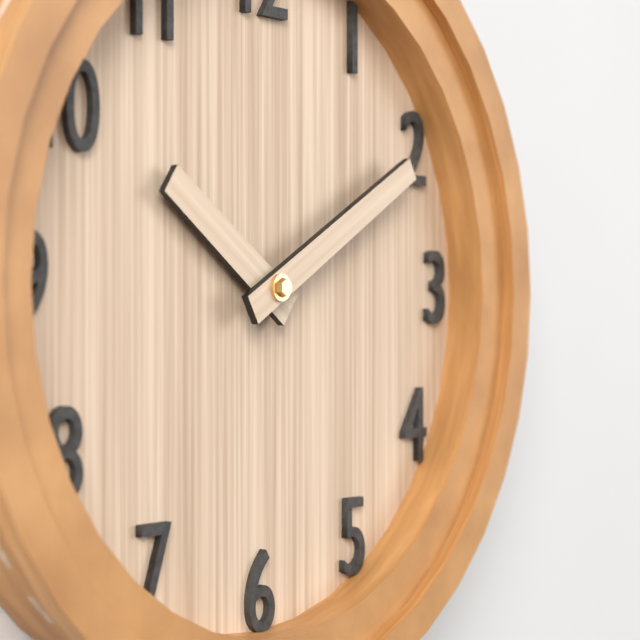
10:10
